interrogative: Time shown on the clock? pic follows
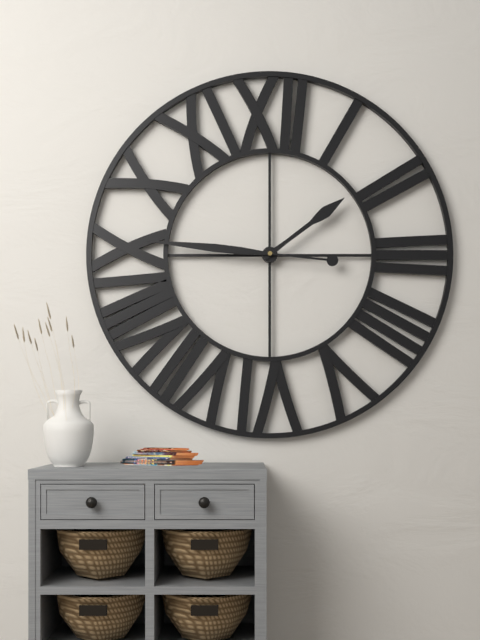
1:46
